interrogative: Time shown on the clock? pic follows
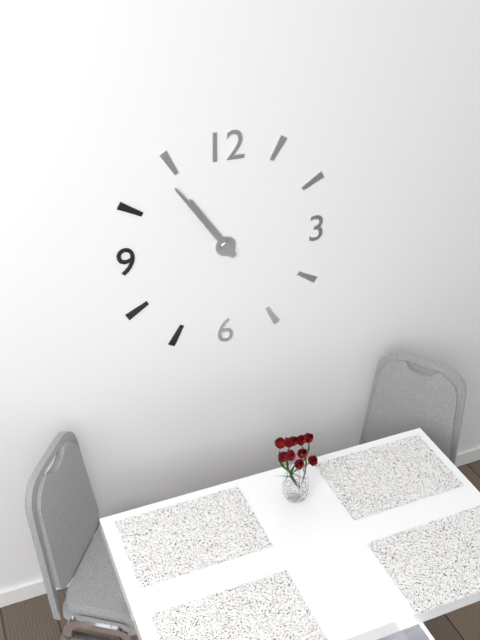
10:54
